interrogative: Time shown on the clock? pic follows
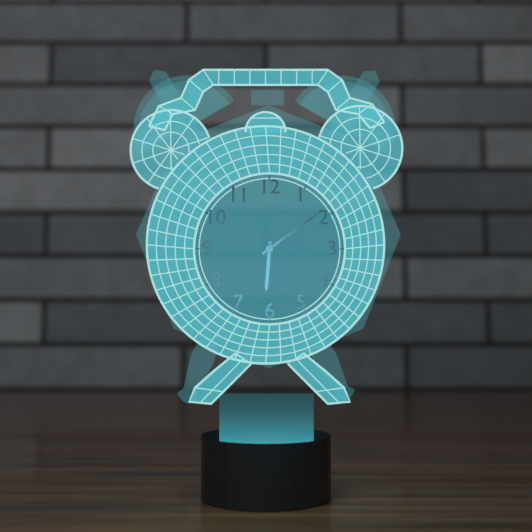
6:09
